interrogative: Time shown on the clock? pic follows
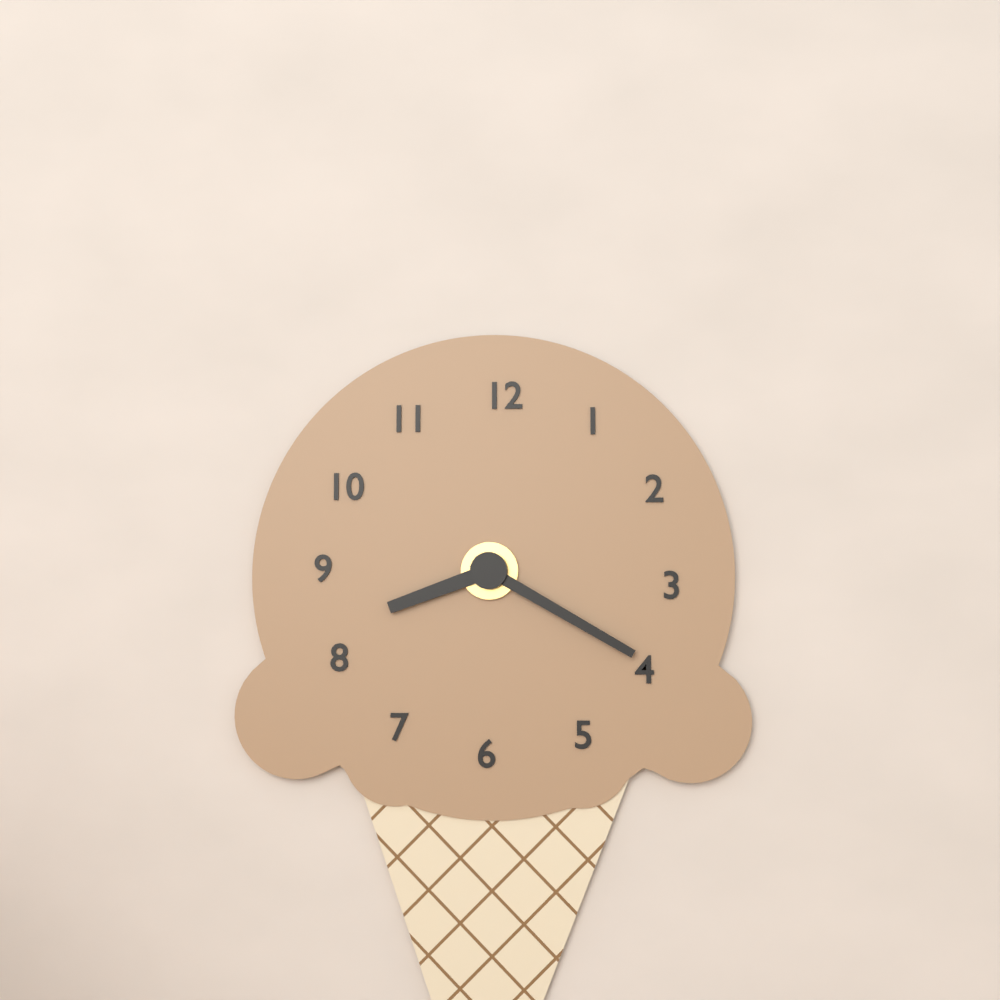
8:20
